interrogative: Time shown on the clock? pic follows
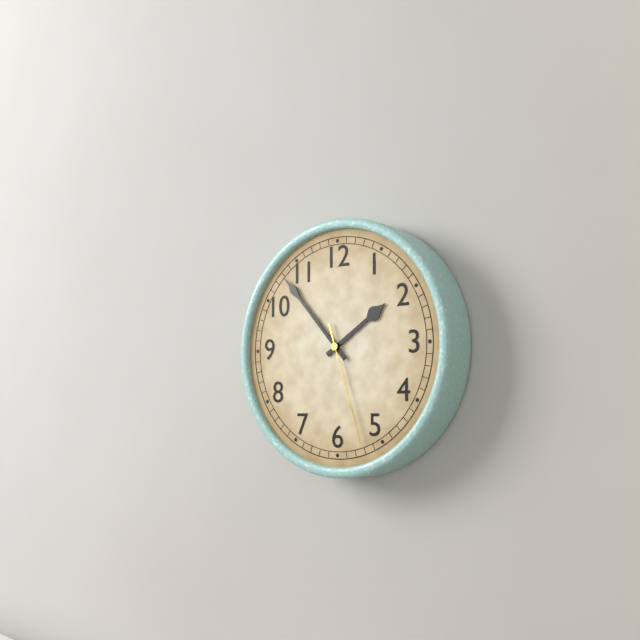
1:53:27
